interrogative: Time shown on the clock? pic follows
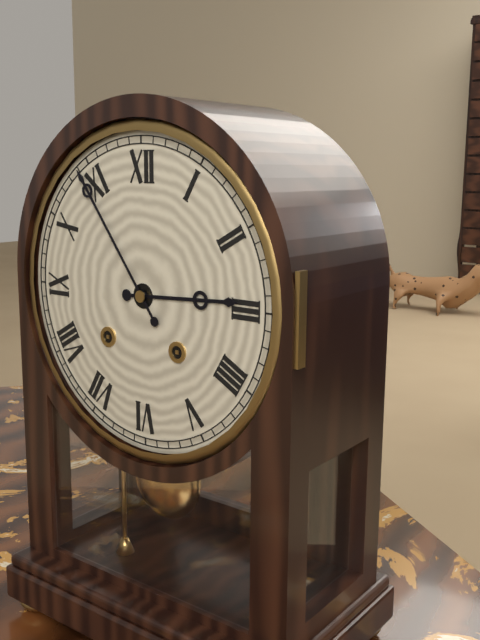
2:54
